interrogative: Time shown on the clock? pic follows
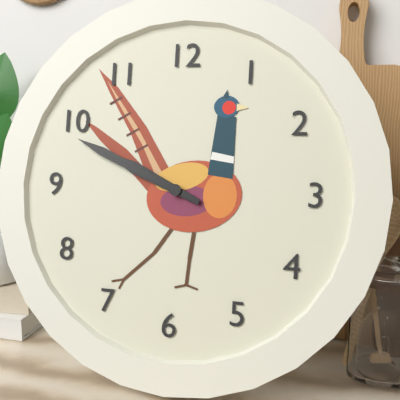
9:49
